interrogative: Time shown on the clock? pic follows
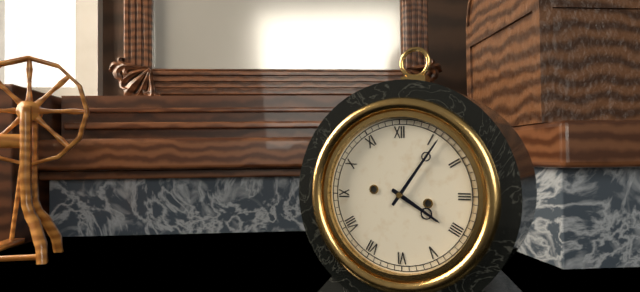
4:06
